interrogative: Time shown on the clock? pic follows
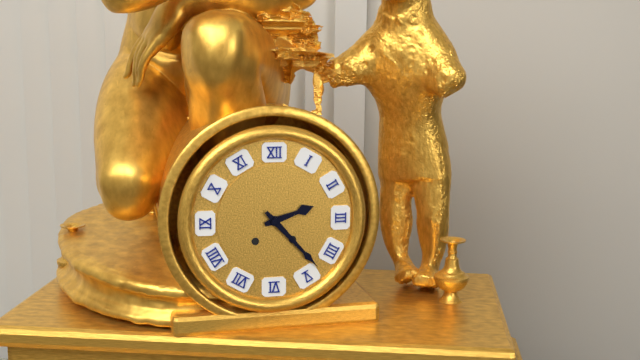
2:23
